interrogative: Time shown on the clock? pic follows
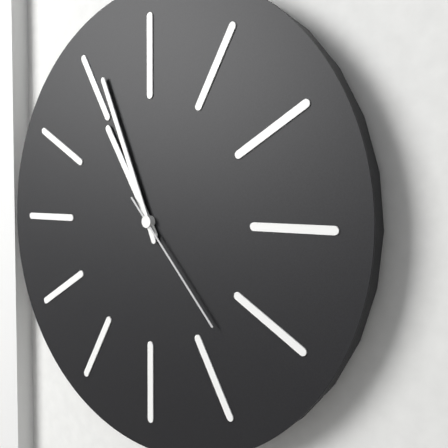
10:56:23
